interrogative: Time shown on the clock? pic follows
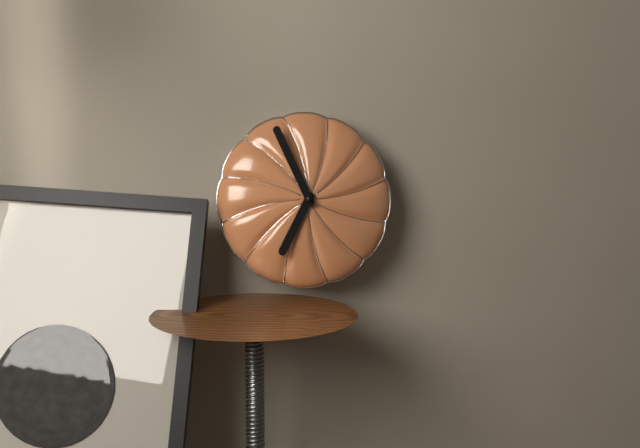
6:56
